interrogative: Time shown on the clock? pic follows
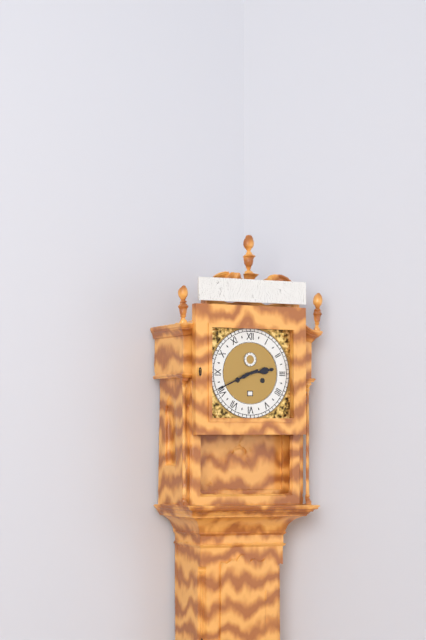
2:41
